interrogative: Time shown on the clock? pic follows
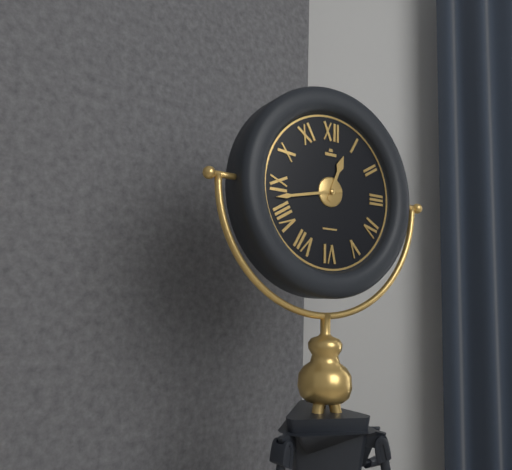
12:43
